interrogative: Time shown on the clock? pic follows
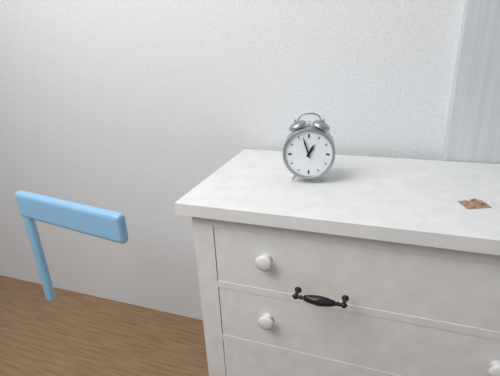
12:57
